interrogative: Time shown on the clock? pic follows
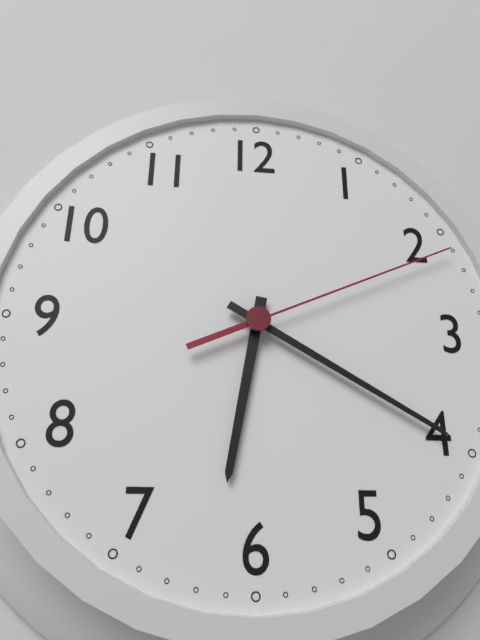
6:20:11
